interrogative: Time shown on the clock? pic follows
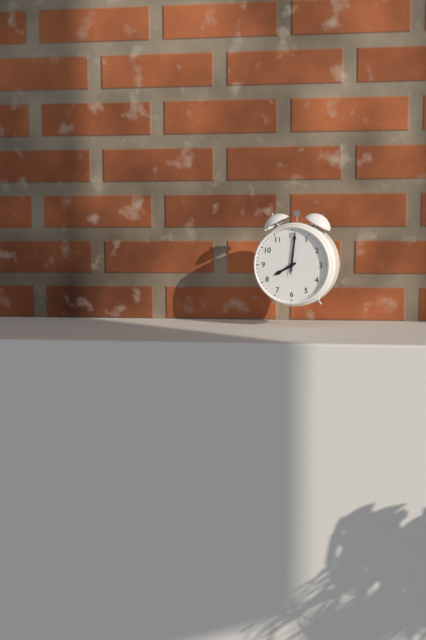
8:01
